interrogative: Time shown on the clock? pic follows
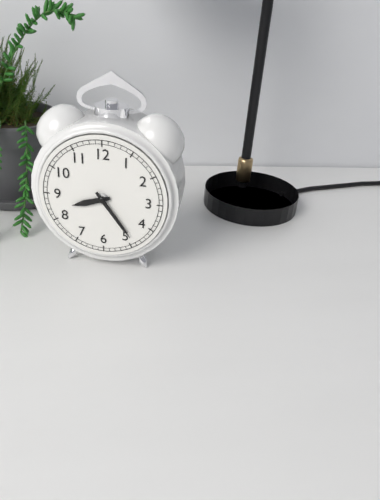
8:24
